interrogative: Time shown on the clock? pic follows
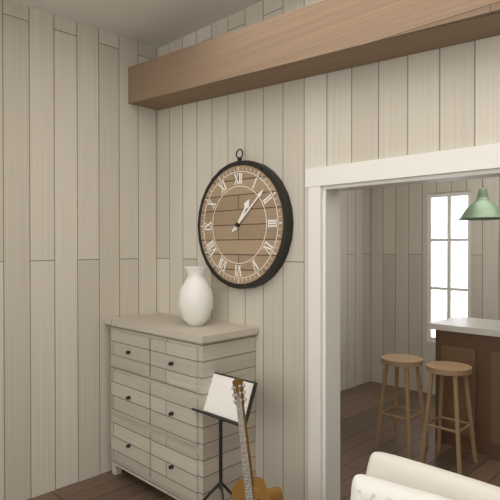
1:08
